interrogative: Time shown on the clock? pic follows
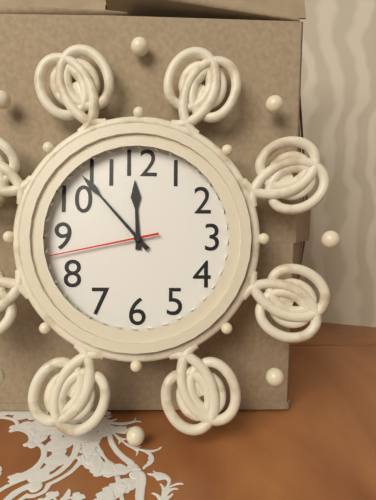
11:53:43
